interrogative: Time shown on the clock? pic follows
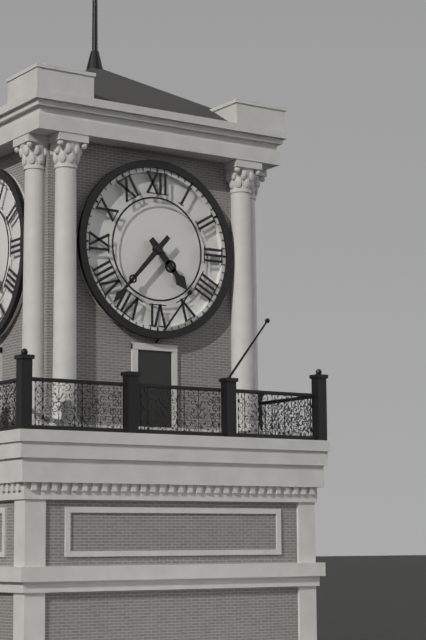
4:37
